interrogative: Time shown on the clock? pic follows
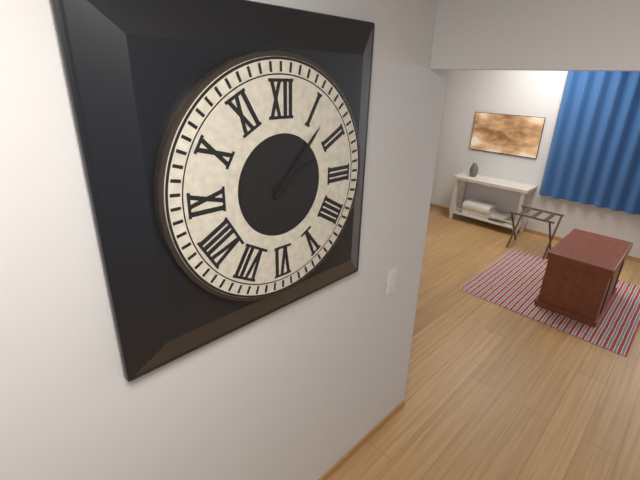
2:07
